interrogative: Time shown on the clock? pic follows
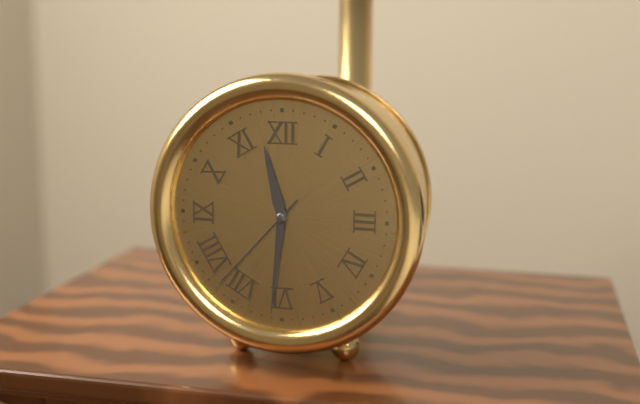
11:31:37
